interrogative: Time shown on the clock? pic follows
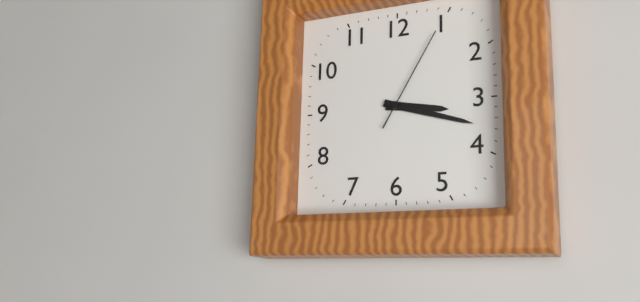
3:18:05
